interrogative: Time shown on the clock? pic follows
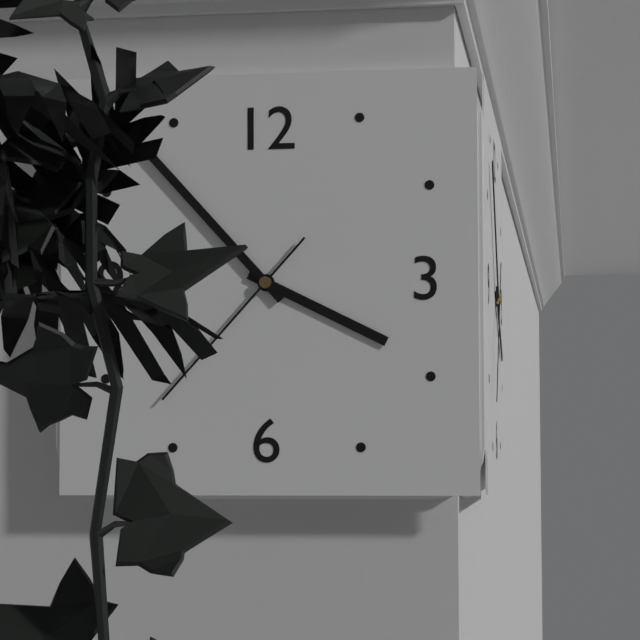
3:53:37
